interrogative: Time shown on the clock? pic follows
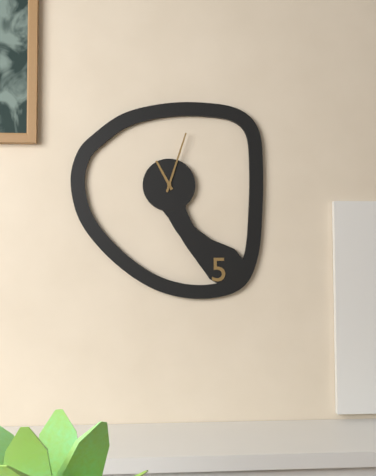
11:03
